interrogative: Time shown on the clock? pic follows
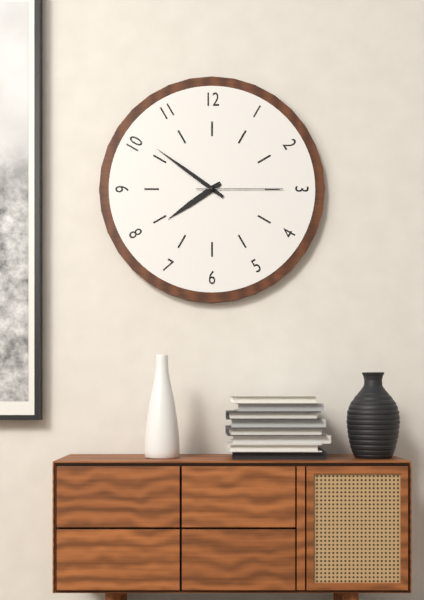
7:51:15
